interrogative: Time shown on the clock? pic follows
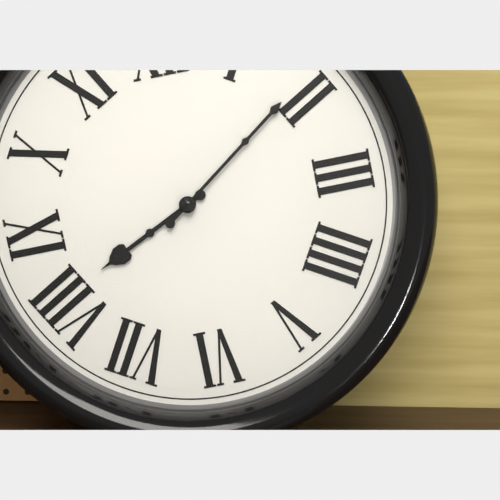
8:09
